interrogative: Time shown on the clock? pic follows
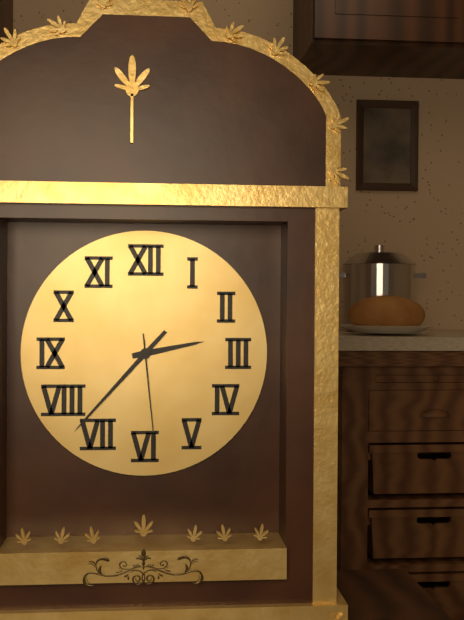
2:37:29
